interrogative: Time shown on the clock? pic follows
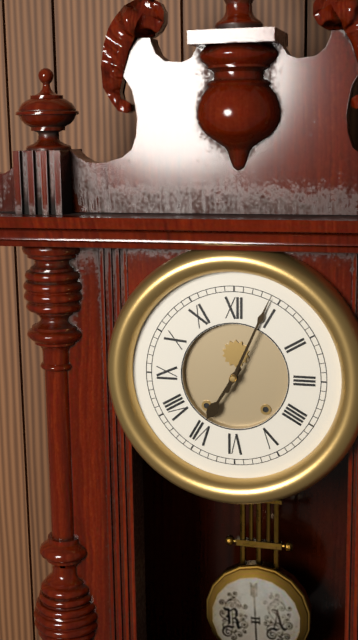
7:04
